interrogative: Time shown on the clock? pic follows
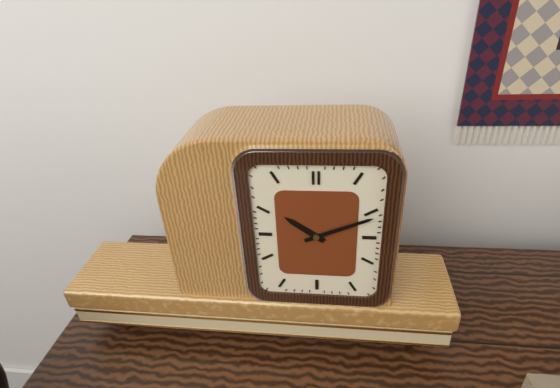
10:11
